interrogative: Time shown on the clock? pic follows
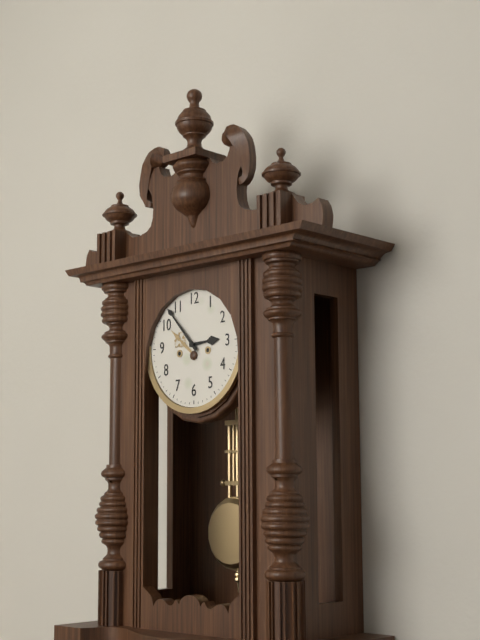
2:53
